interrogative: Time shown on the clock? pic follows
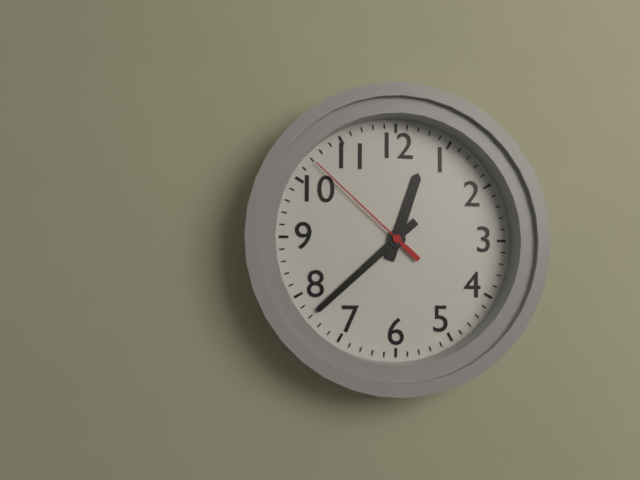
12:38:52
